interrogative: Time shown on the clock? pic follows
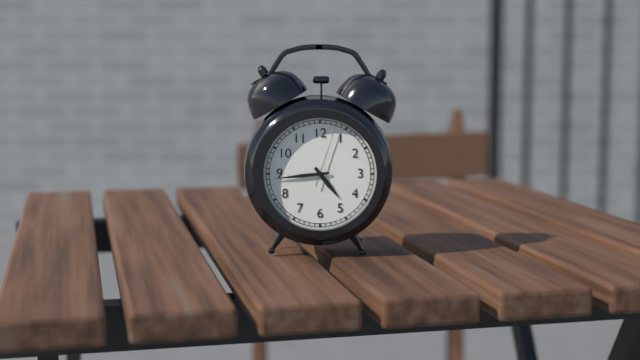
4:44:03
